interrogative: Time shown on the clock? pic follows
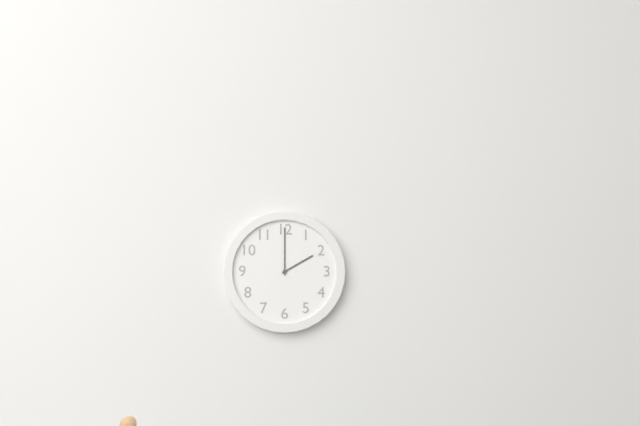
2:00
